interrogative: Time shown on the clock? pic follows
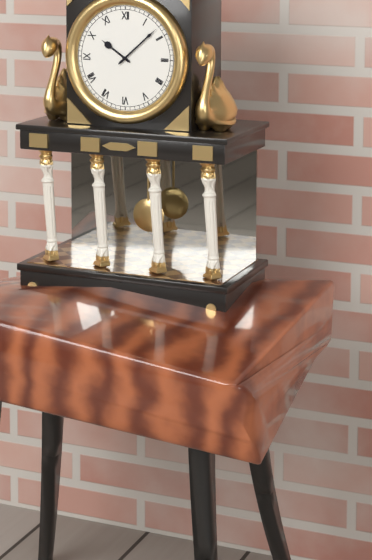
10:08
